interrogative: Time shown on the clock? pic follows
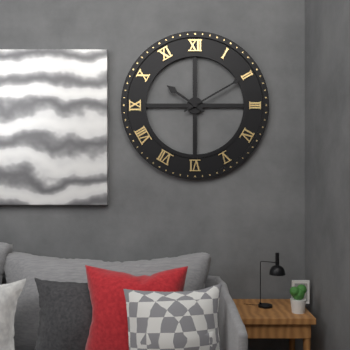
10:10
